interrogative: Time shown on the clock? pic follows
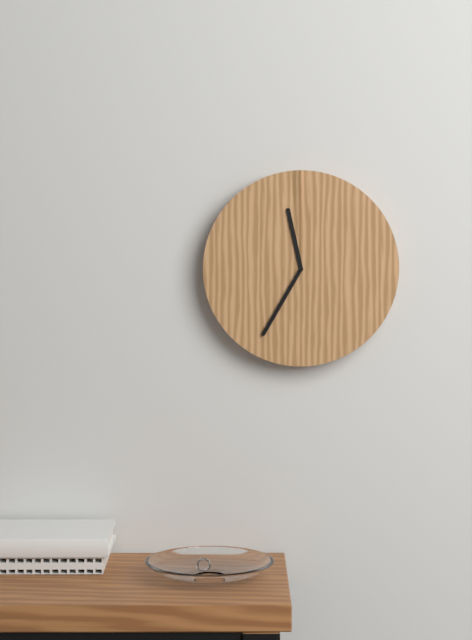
11:35
